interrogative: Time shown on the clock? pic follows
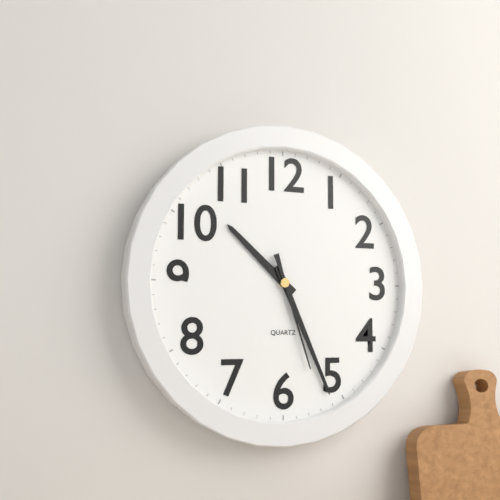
10:26:27
